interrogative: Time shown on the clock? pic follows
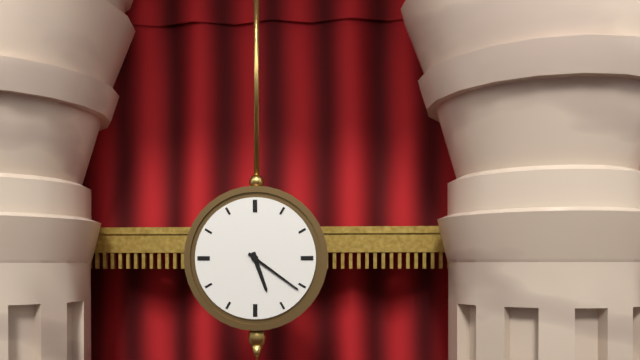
5:21
